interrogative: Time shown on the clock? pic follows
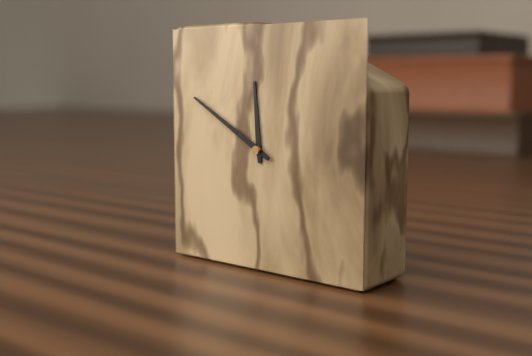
11:50
